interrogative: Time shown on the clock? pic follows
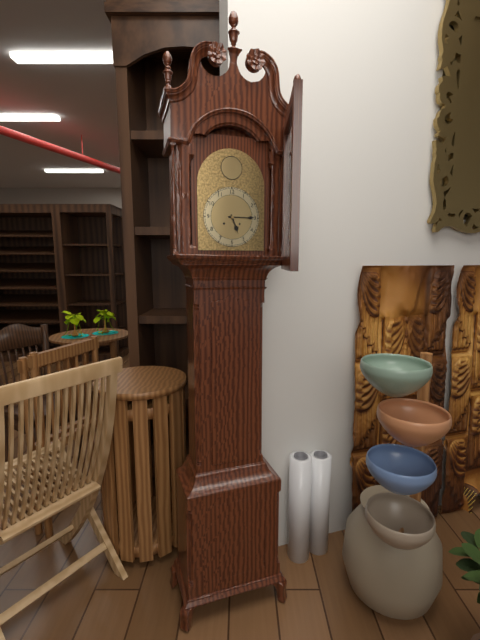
5:15
